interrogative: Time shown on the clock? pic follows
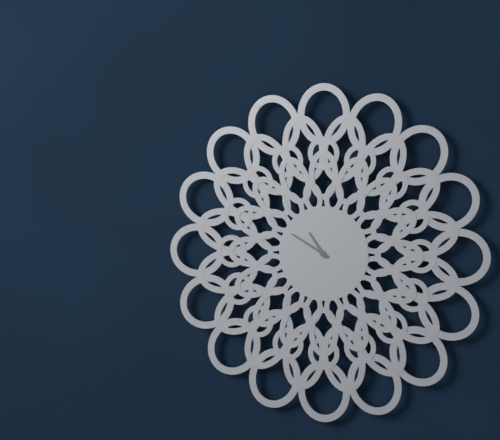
10:50
